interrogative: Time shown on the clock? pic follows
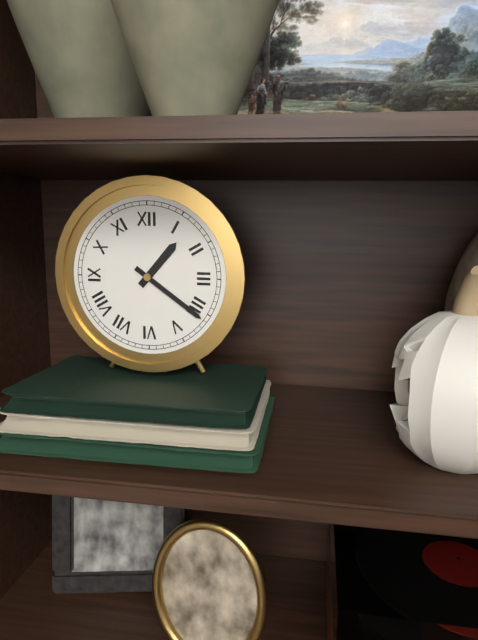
1:21
